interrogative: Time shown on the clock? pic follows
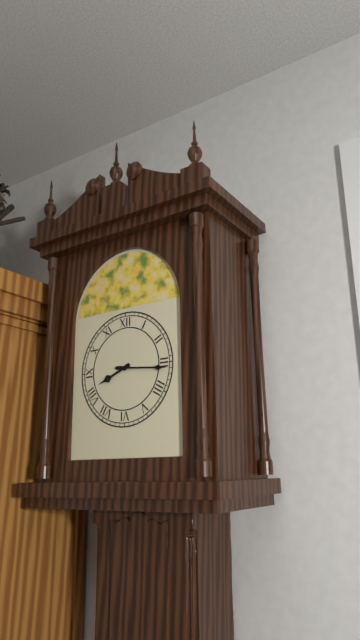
8:16
